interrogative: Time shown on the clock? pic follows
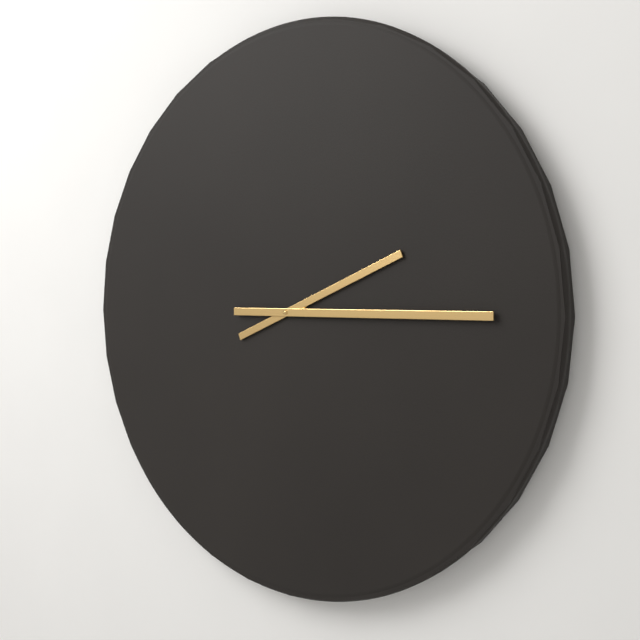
2:15
